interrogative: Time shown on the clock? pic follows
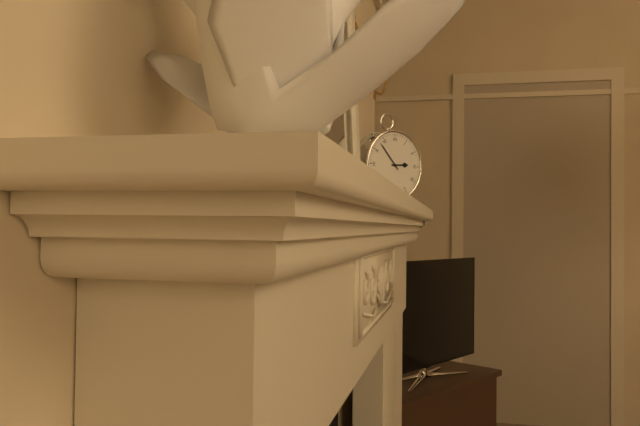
2:53
